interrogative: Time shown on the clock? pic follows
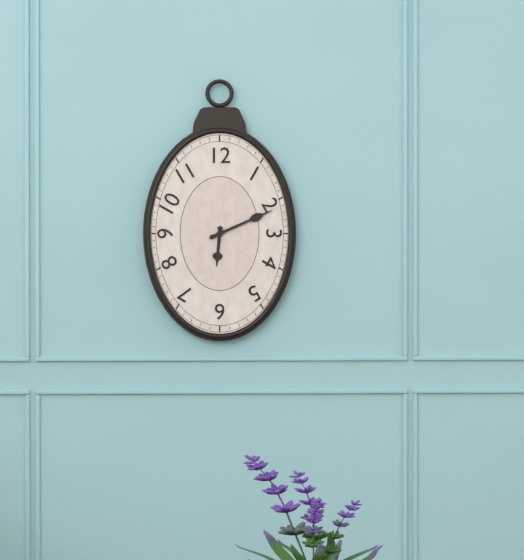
6:11
